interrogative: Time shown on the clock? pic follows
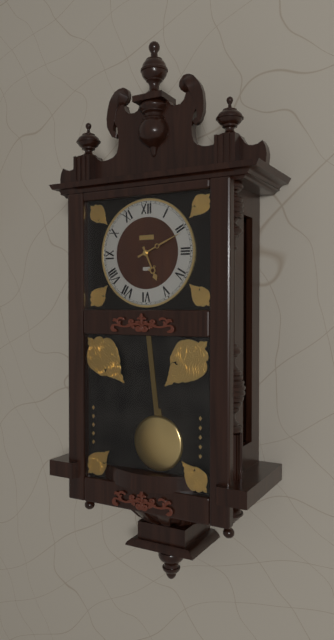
5:11
